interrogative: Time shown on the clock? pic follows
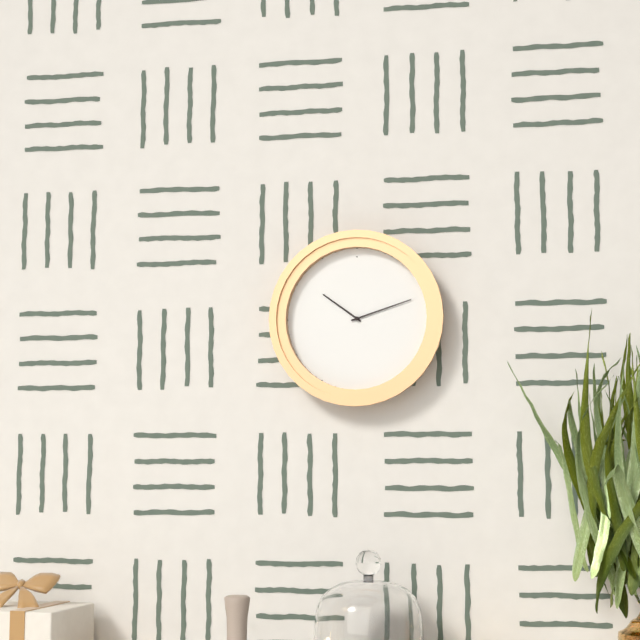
10:12
